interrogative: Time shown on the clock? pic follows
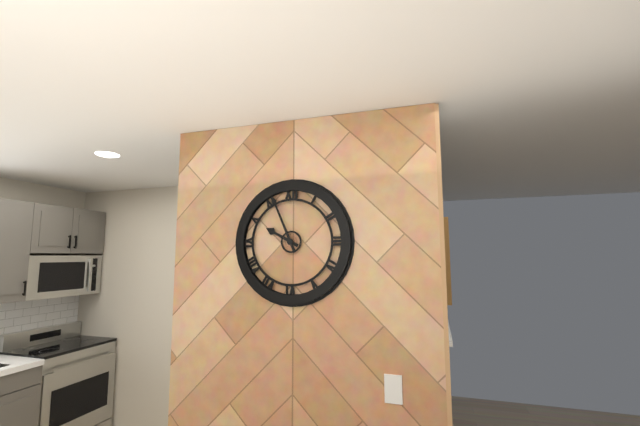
9:56
